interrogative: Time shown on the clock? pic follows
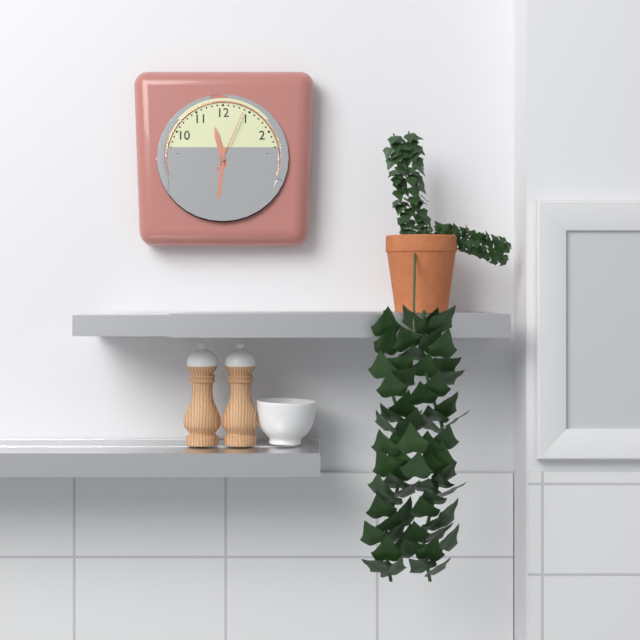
11:31:04
